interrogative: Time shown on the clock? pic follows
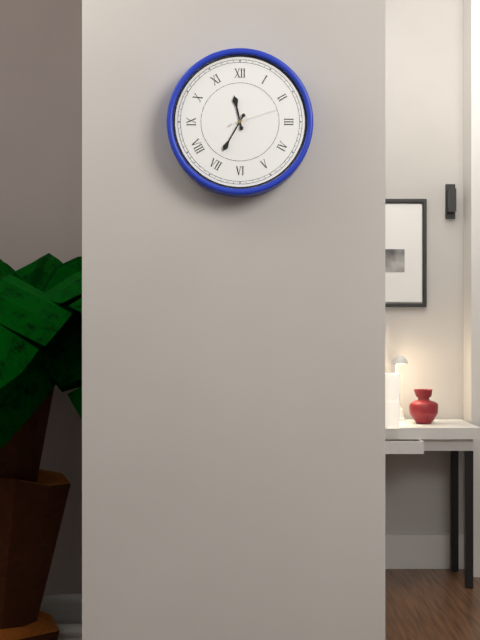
11:35
